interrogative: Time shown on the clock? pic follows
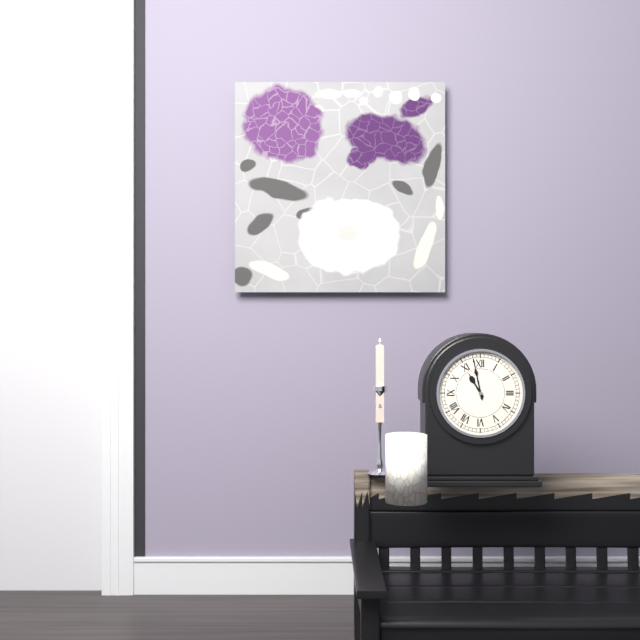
10:58
